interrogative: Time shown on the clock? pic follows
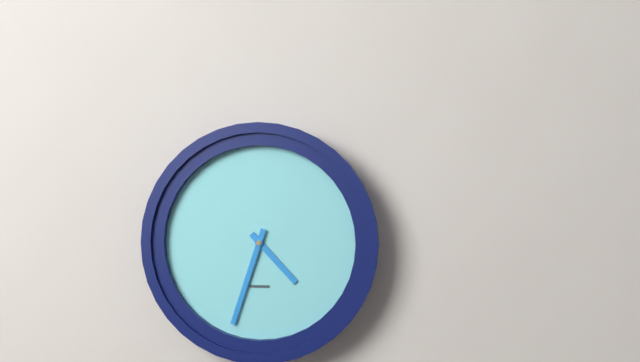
4:33
